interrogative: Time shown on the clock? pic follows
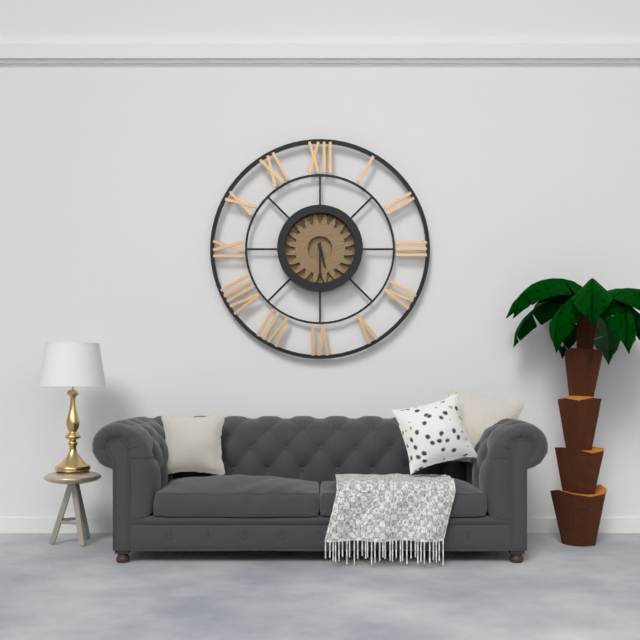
5:30
